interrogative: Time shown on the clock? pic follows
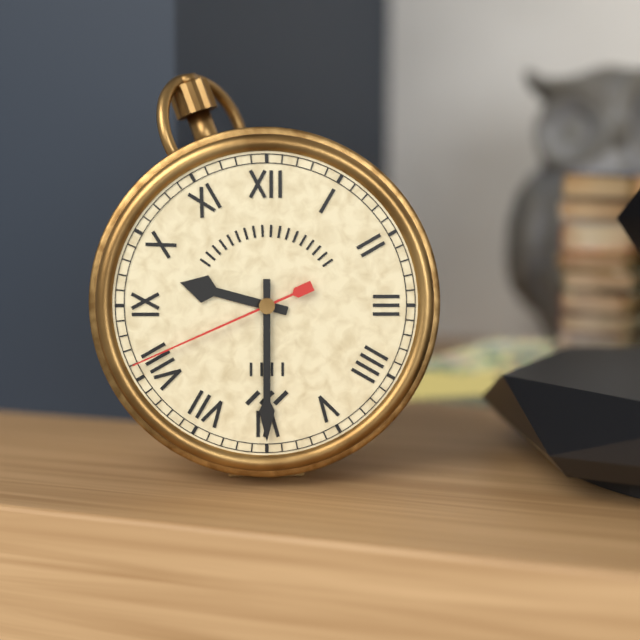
9:30:41
